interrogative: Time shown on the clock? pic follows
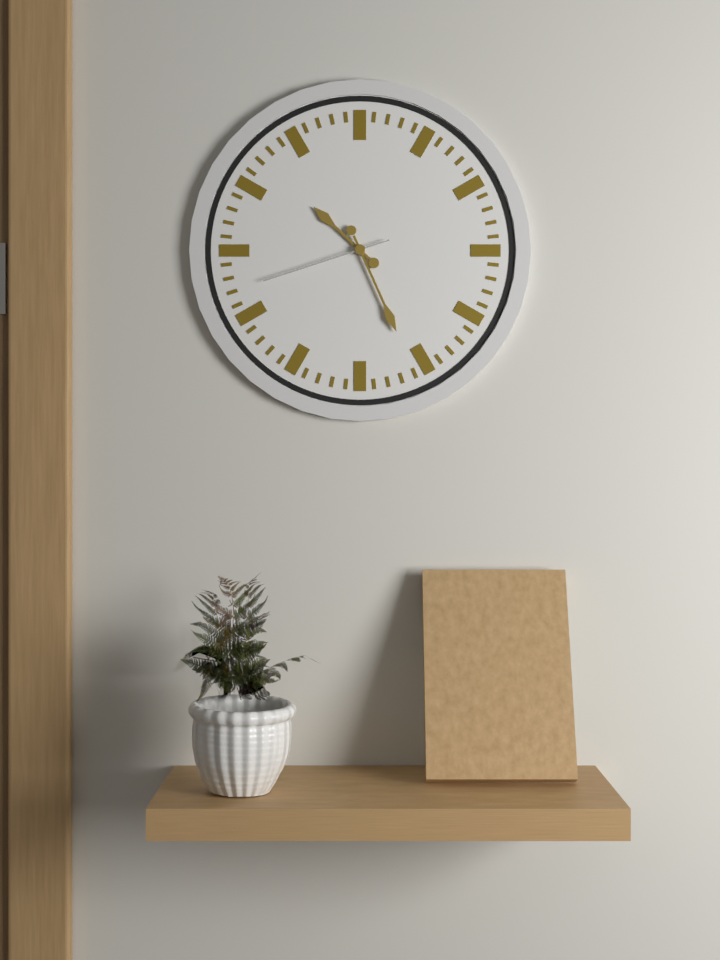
10:26:42
